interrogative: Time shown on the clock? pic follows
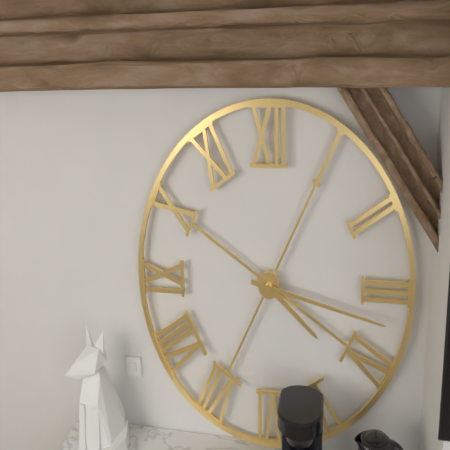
4:17
